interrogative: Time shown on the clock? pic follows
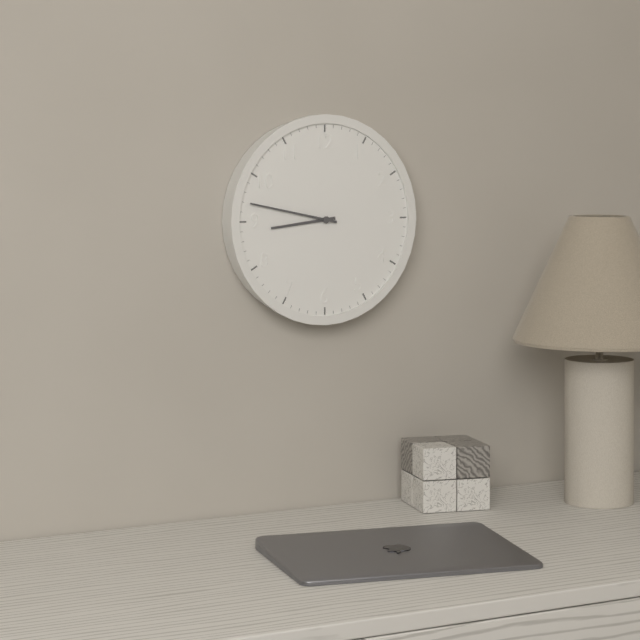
8:47
